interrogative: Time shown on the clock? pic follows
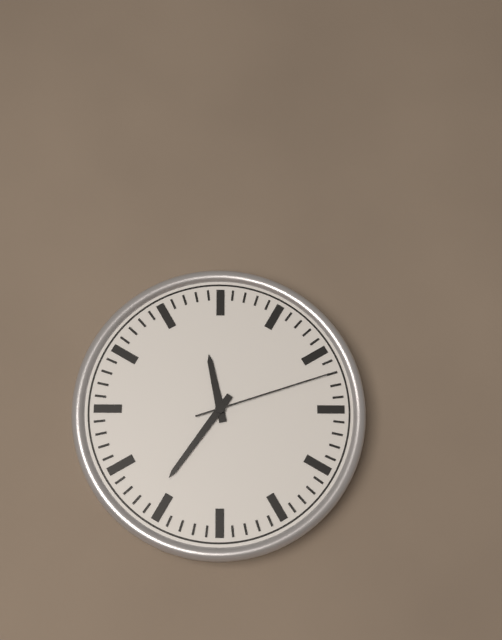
11:36:12
